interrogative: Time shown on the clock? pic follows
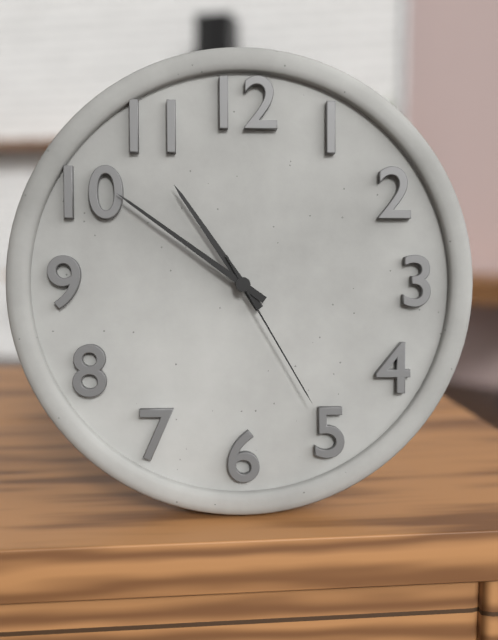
10:51:25
